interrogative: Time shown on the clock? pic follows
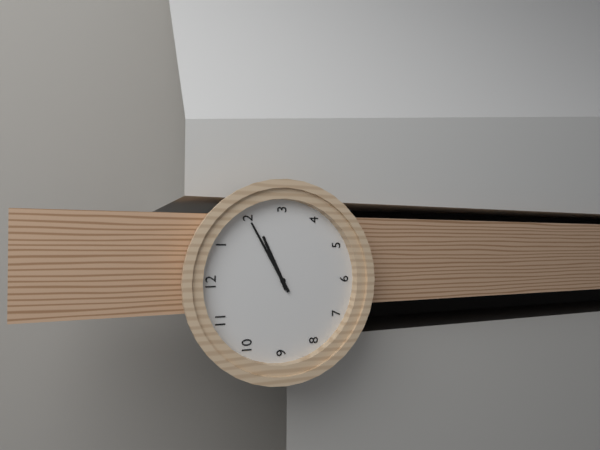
2:10
